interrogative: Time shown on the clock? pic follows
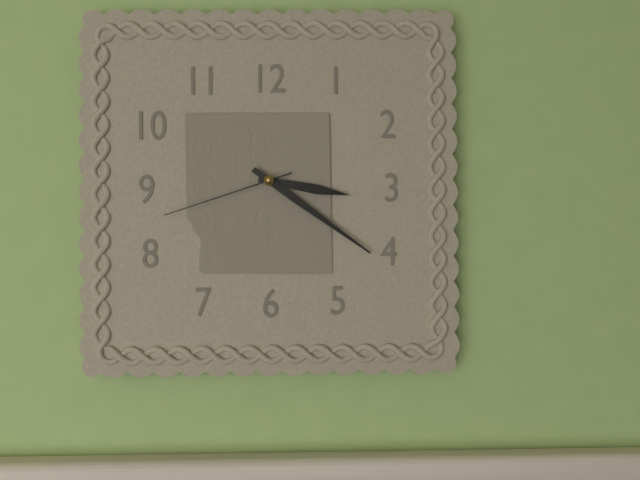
3:21:42
